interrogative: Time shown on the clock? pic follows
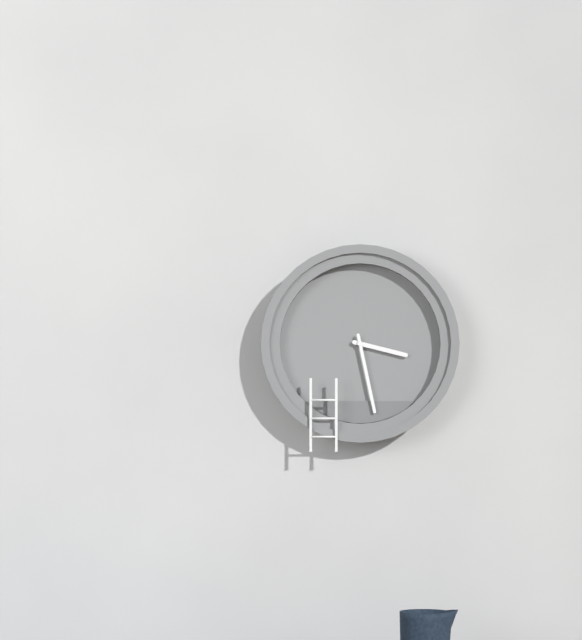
3:28
